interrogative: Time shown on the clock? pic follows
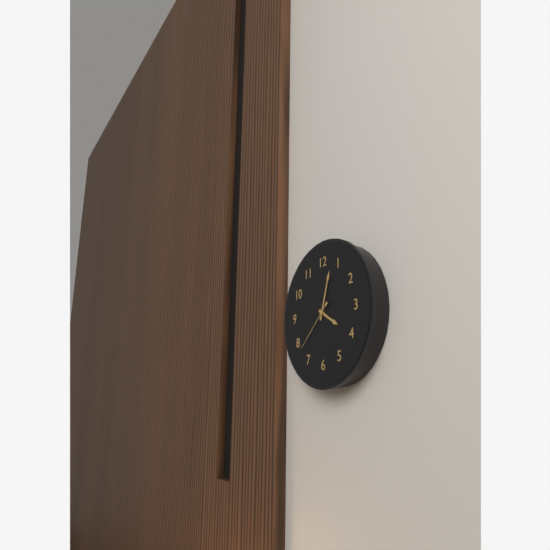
4:03:38
